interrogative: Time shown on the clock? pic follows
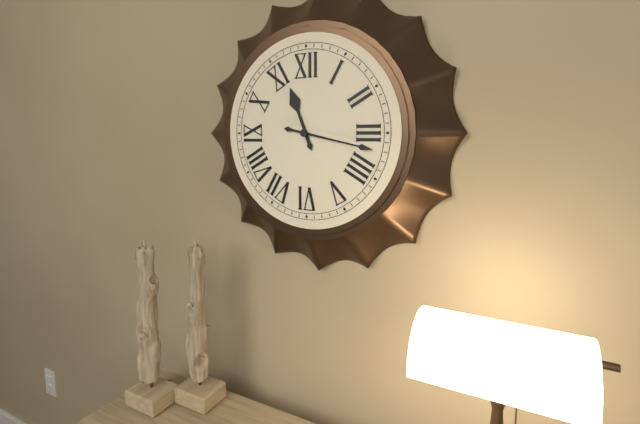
11:17
